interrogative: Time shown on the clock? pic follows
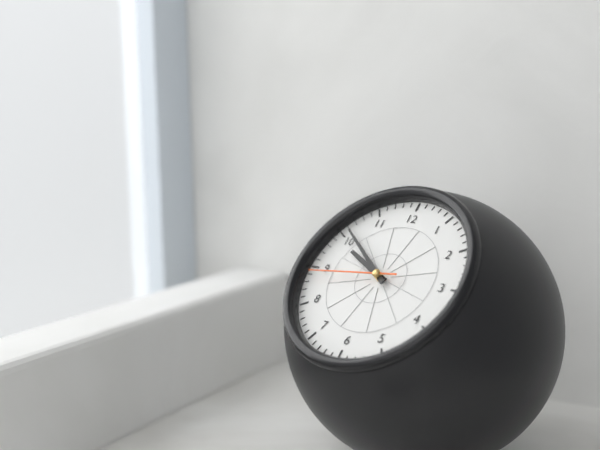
9:51:44
